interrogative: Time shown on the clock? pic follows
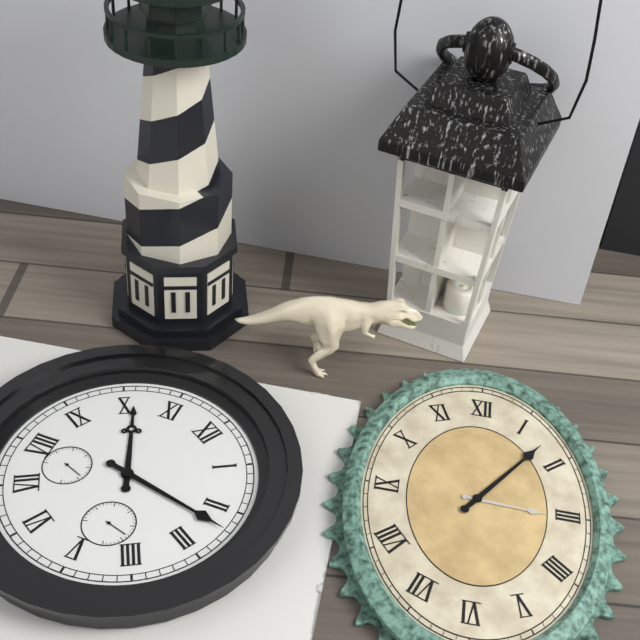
10:12
